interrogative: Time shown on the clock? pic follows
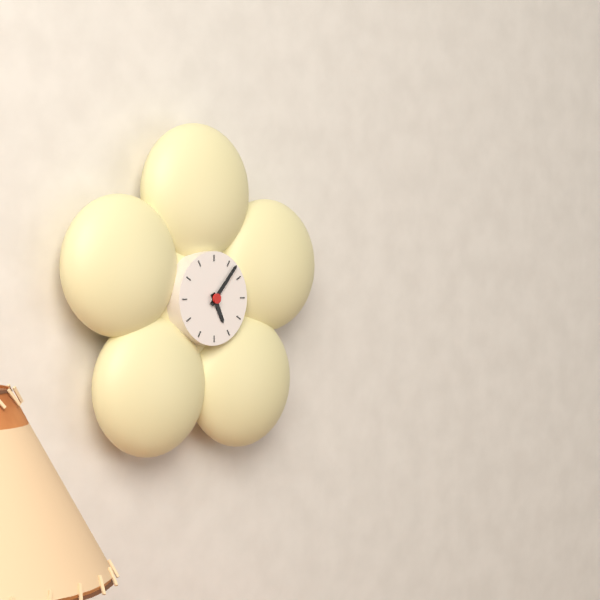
5:07
